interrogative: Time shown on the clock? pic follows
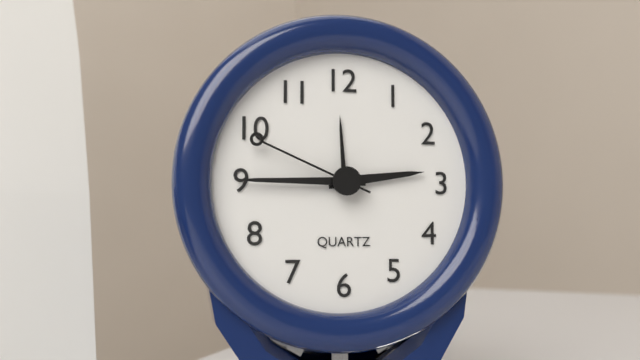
2:45:49
